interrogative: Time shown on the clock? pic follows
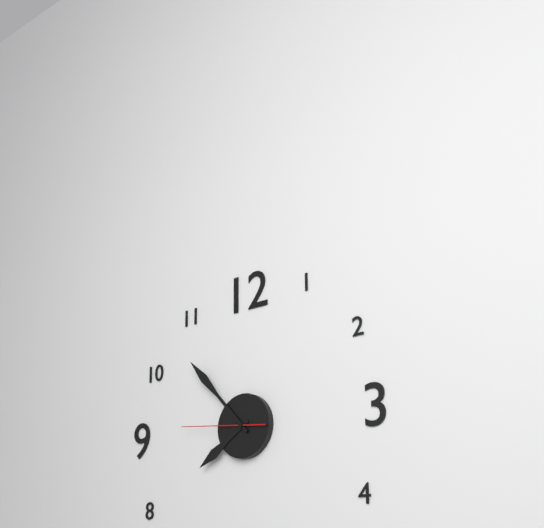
7:53:46
